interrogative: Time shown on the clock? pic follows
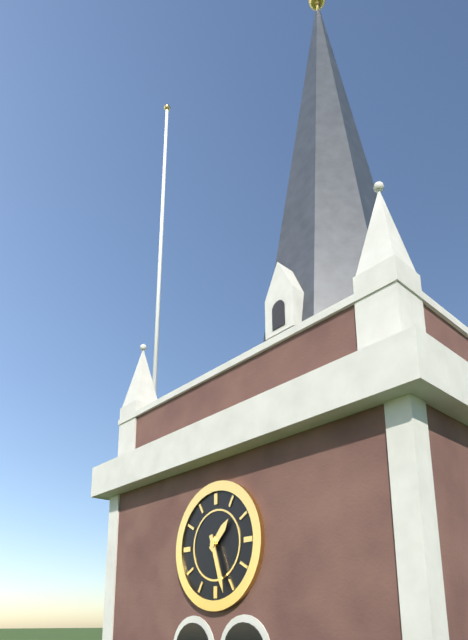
1:27
